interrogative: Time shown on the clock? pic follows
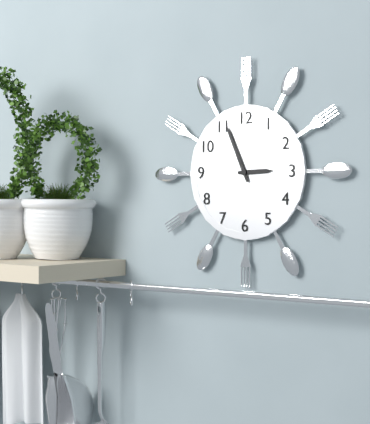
2:56
